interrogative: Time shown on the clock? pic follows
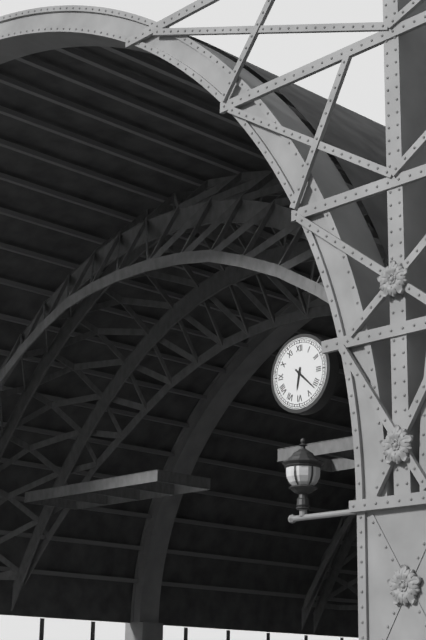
6:22
